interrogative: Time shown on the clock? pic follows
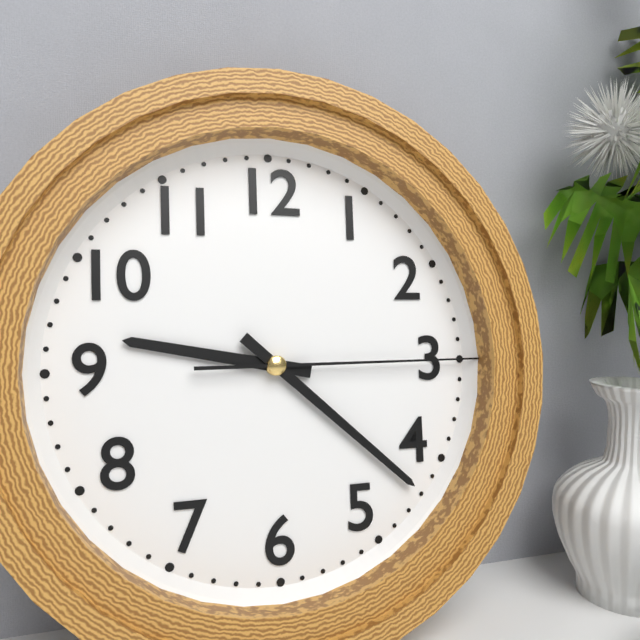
9:22:15
